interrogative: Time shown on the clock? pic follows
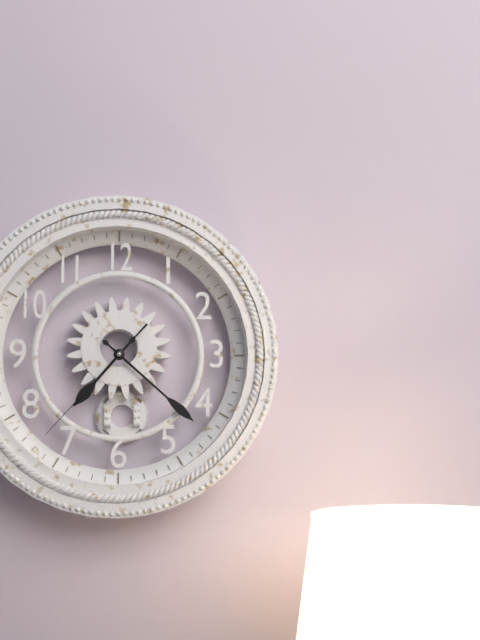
7:22:37
